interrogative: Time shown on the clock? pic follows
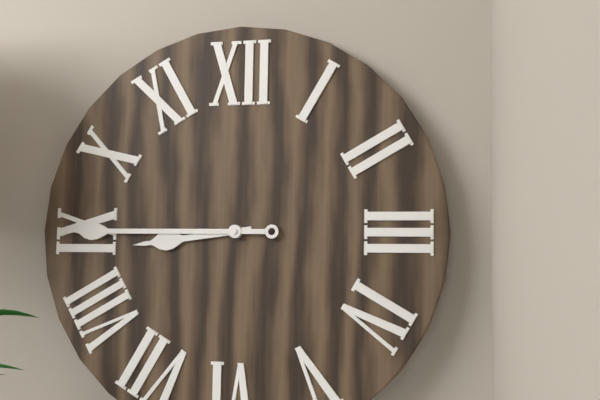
8:45
